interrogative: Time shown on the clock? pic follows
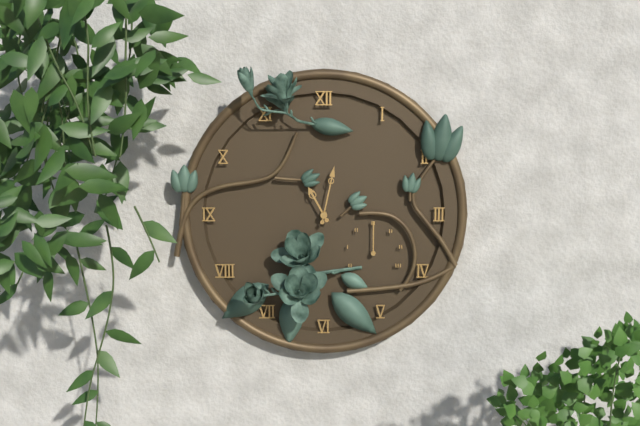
11:02
